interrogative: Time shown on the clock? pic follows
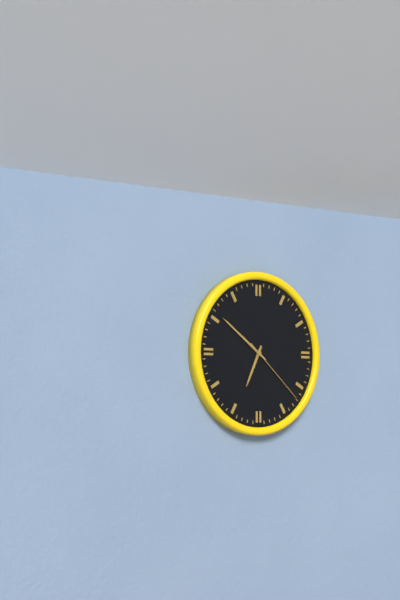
6:51:22
